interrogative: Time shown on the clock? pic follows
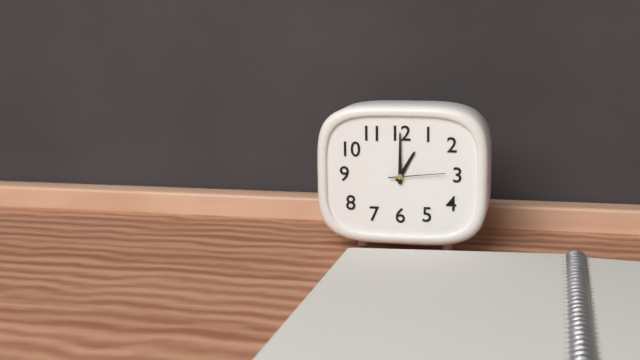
1:00:14
